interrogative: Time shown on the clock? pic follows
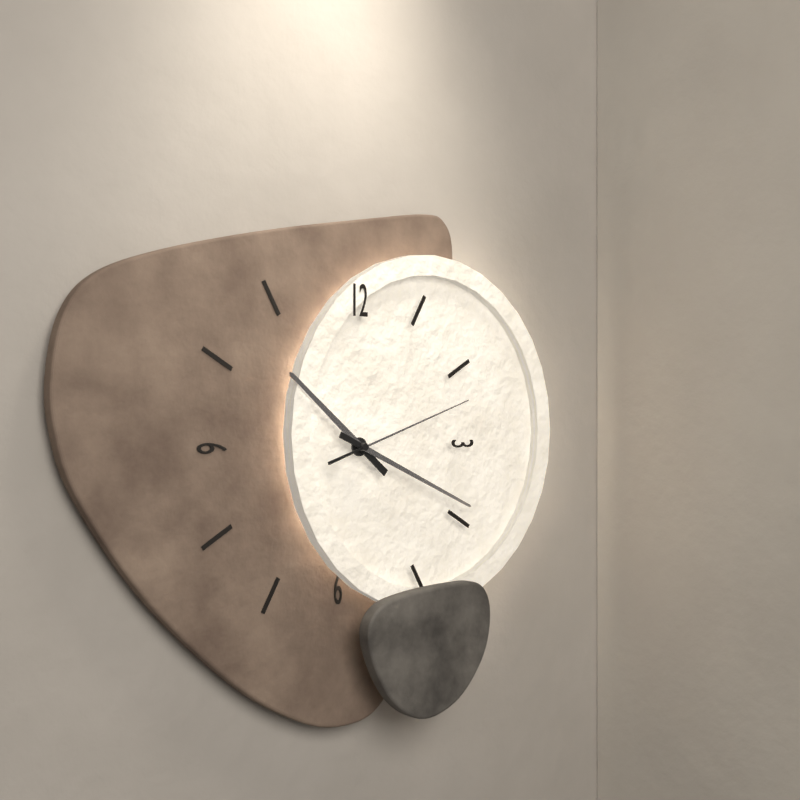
10:19:12
